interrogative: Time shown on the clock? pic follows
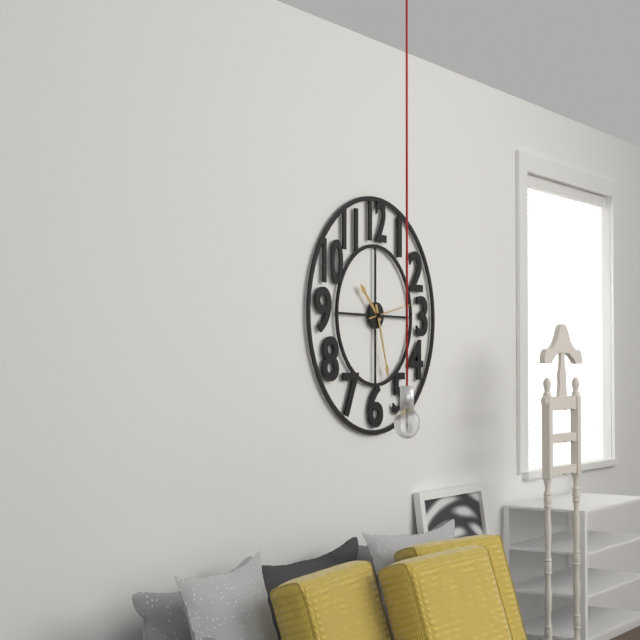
10:27
